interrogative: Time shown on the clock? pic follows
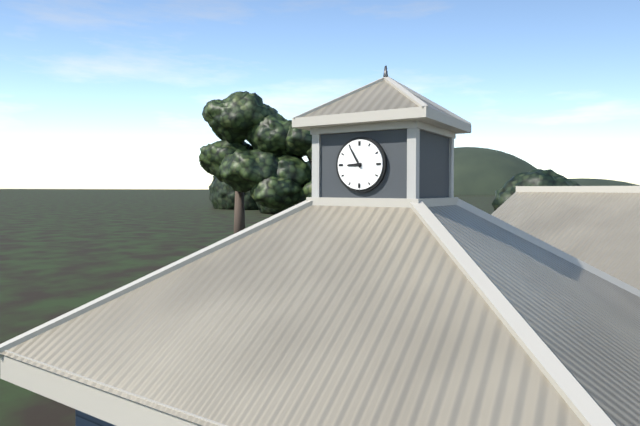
8:55
